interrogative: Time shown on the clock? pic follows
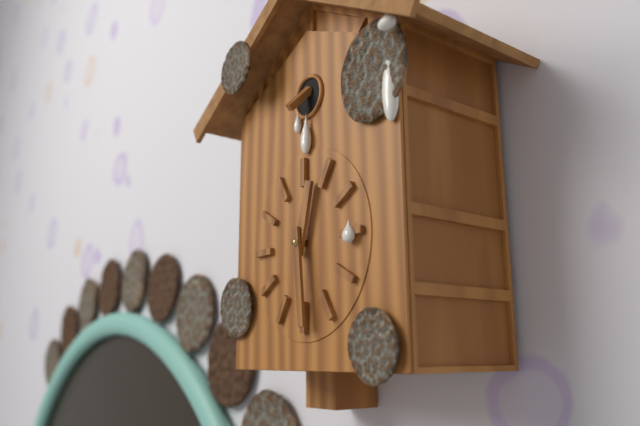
12:29
